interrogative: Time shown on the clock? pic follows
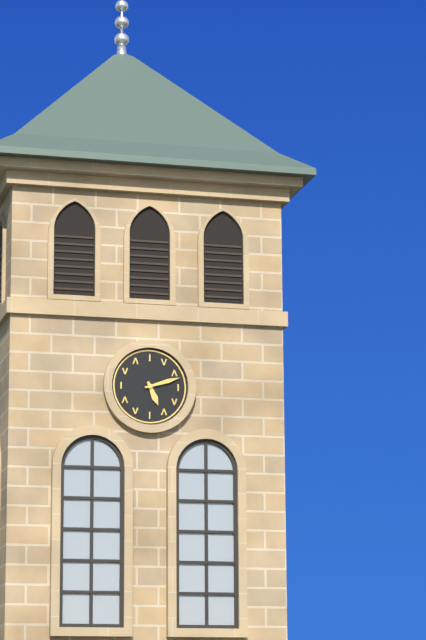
5:12
